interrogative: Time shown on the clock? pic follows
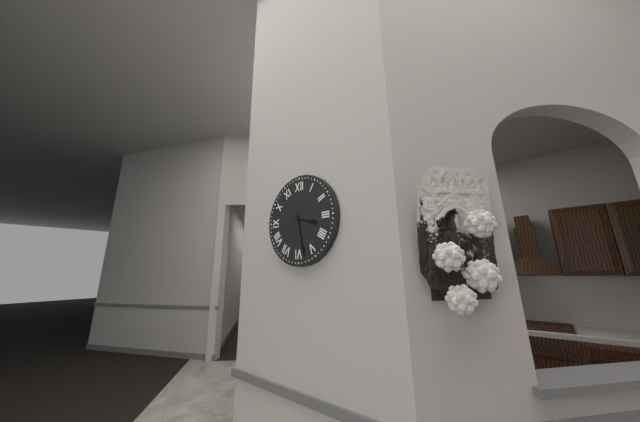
3:28
